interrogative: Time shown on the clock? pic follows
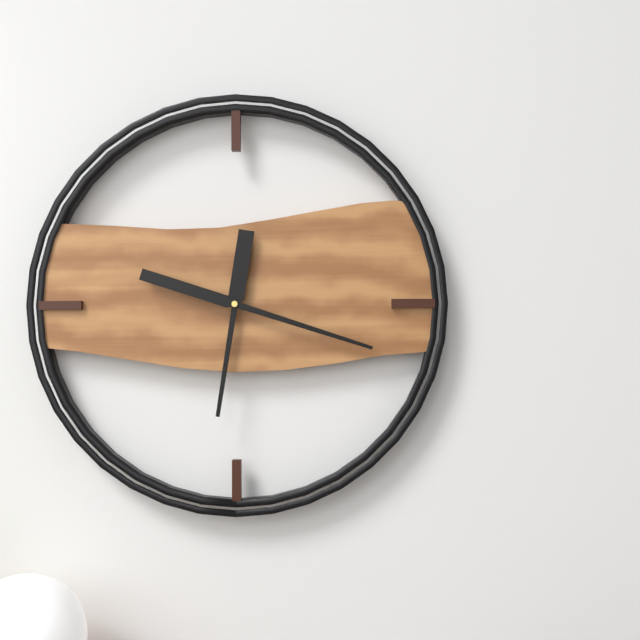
6:18
